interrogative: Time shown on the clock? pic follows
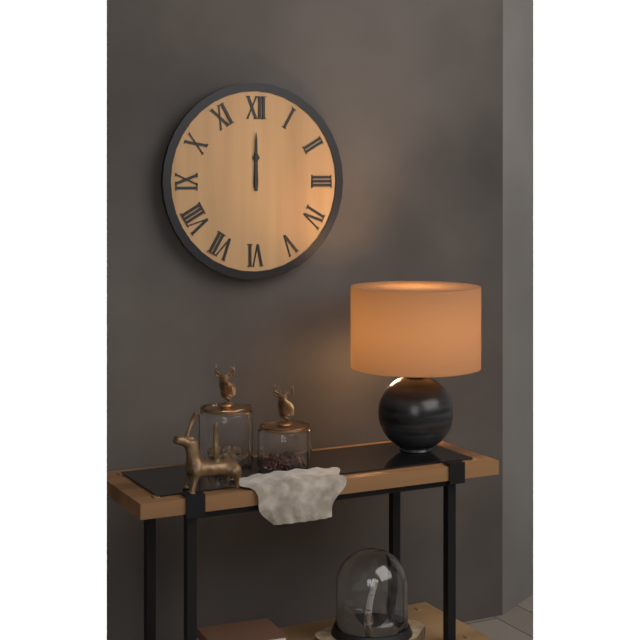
12:00
